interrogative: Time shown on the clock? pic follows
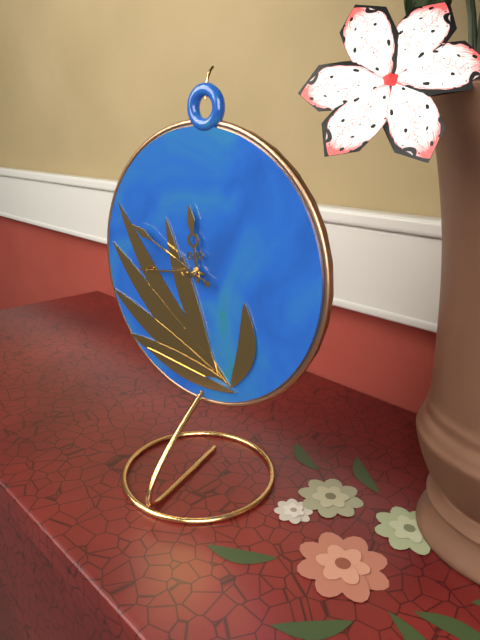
11:44:49
